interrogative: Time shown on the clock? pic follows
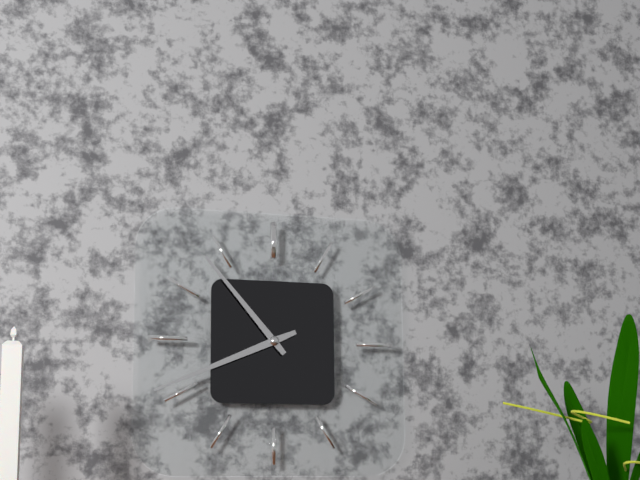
10:41
